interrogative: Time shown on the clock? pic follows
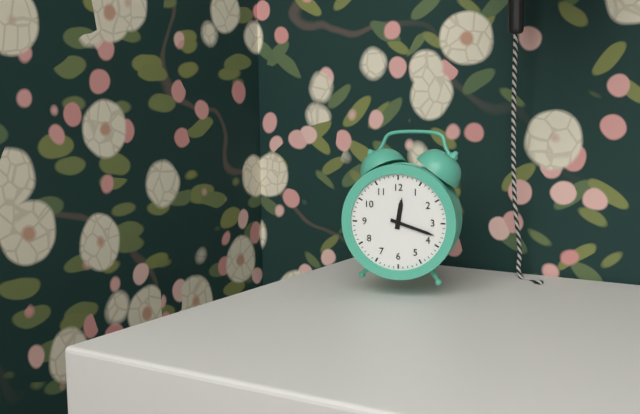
12:18
